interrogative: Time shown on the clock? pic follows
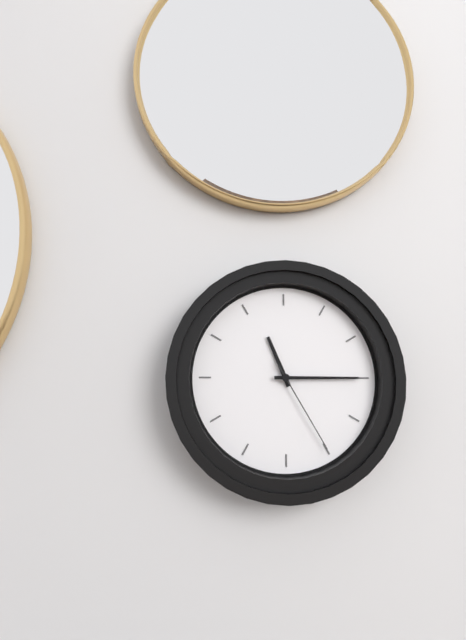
11:15:25
